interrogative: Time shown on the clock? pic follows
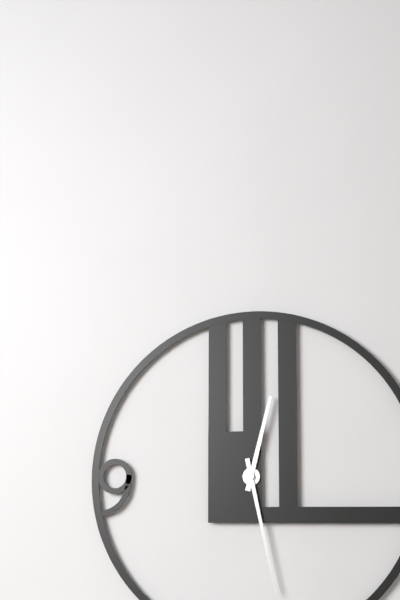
12:28
